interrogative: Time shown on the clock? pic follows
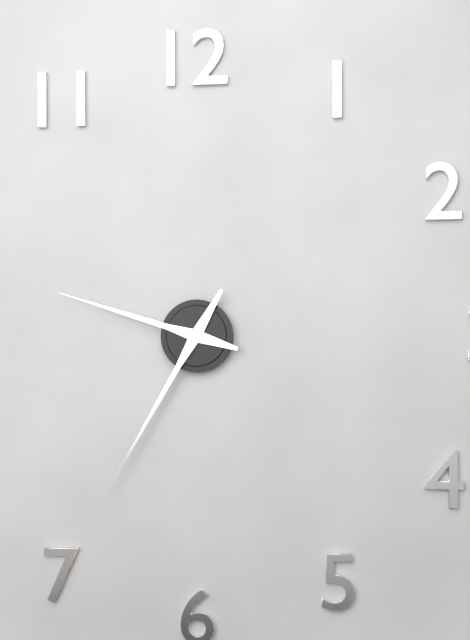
9:35
